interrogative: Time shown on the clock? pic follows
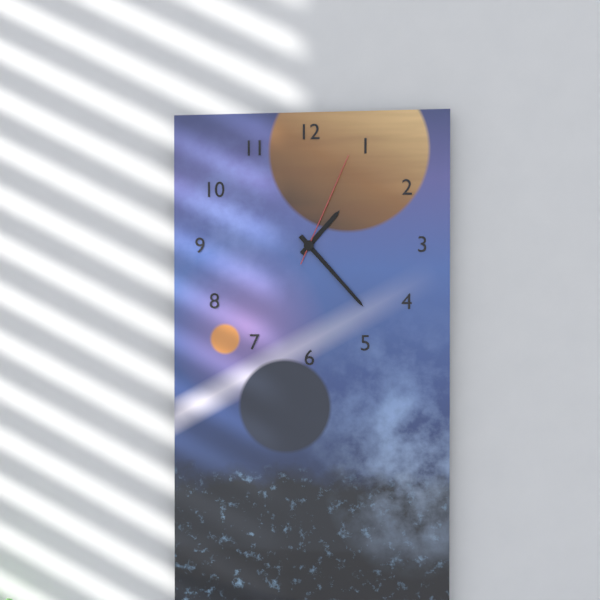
1:23:04
